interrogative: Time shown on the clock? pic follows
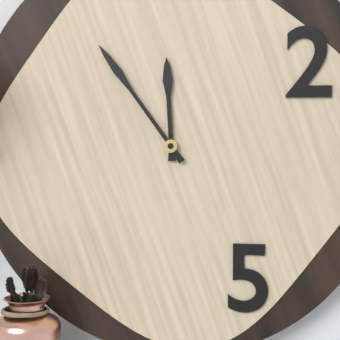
11:54
